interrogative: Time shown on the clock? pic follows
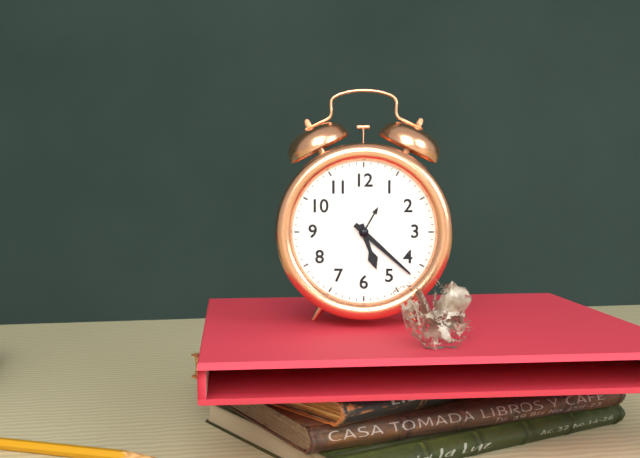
5:22
